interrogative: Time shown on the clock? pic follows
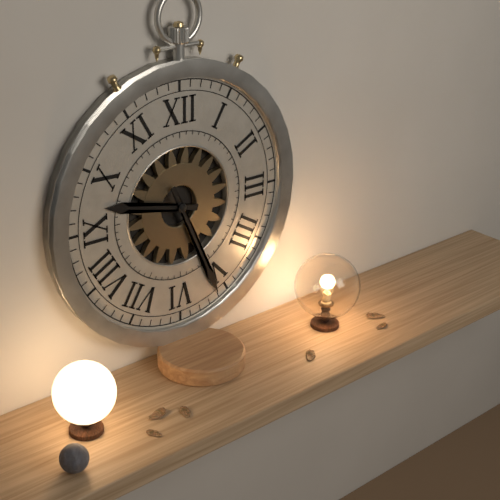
9:26
